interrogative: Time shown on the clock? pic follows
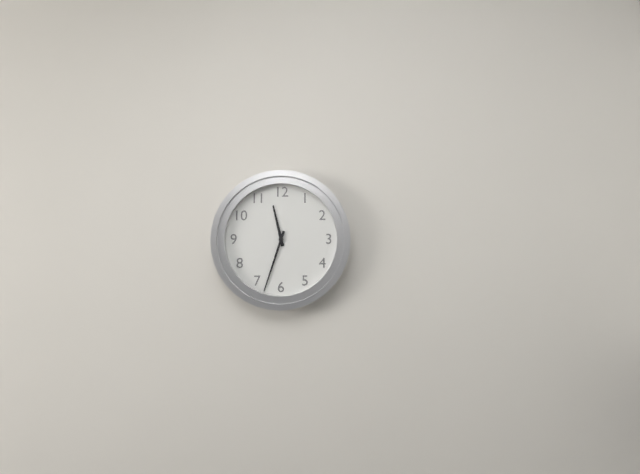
11:33
